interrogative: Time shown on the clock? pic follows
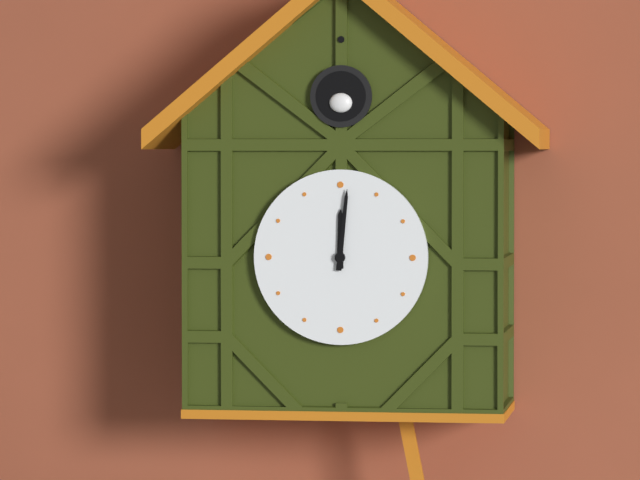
12:01
